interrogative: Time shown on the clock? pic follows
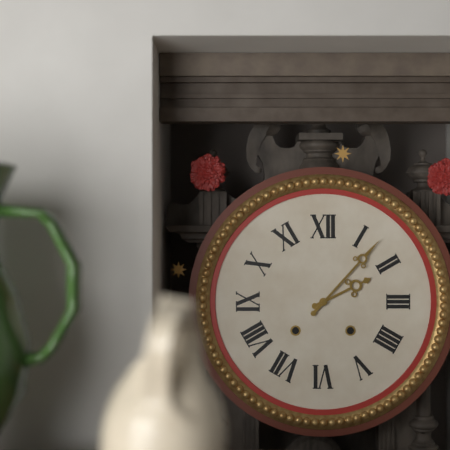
2:07
